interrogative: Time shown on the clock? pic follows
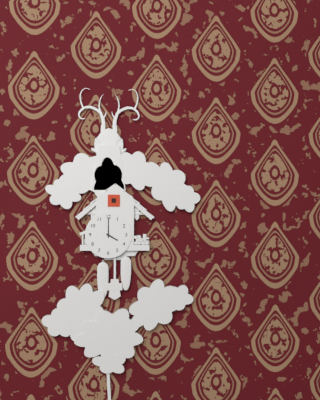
4:00
